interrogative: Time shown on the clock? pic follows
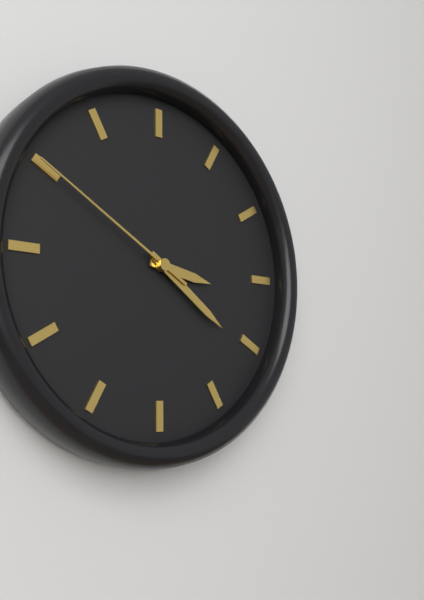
3:21:50
